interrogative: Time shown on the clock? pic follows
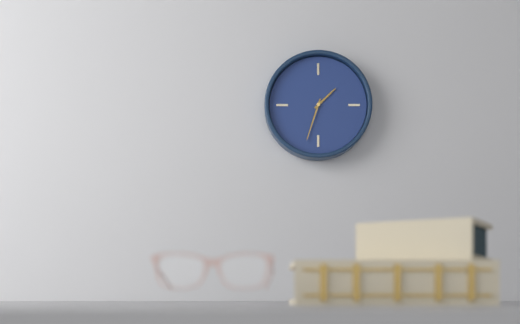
1:33
